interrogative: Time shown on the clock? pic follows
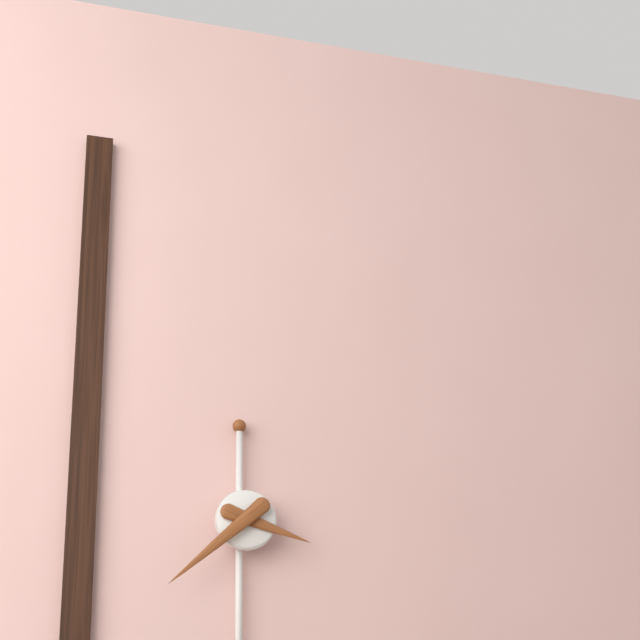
3:38
